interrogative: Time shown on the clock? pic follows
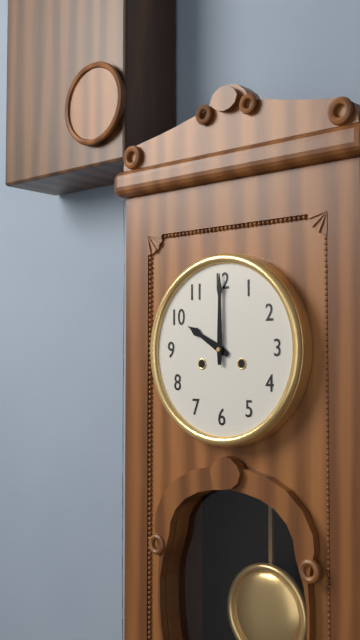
10:00
